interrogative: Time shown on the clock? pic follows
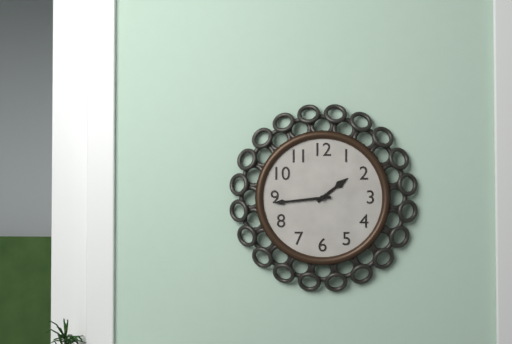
1:44
